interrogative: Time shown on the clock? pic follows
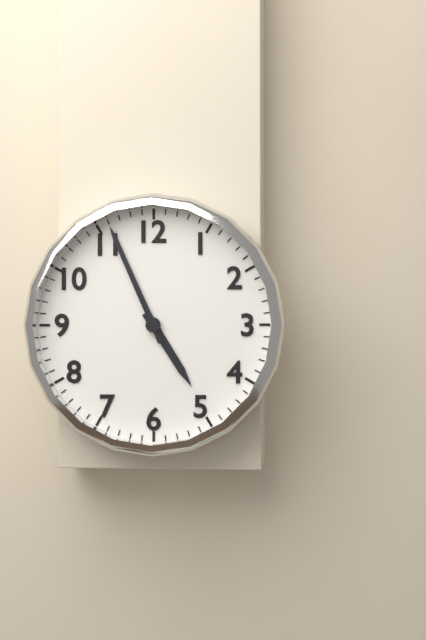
4:56
